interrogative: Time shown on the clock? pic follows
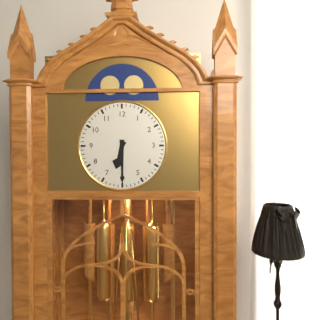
6:30
